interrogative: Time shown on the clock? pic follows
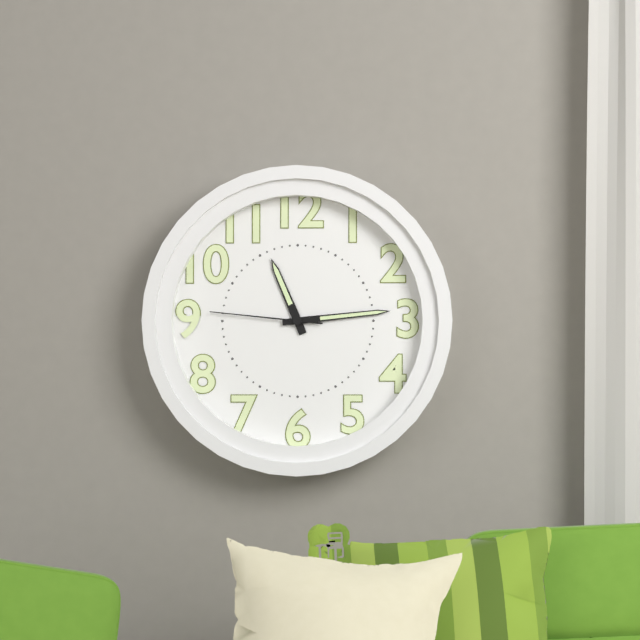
11:14:46
